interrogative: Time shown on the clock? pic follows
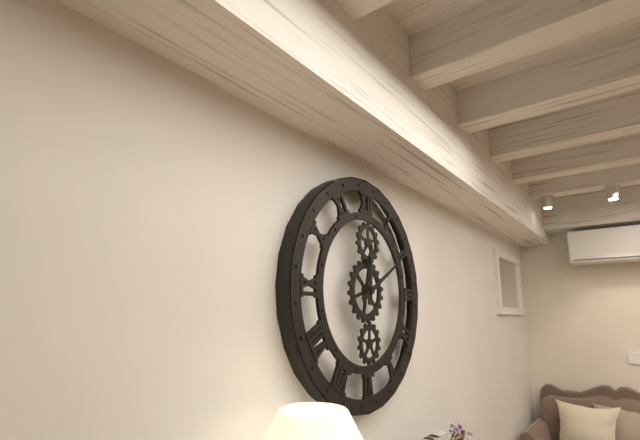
12:10
